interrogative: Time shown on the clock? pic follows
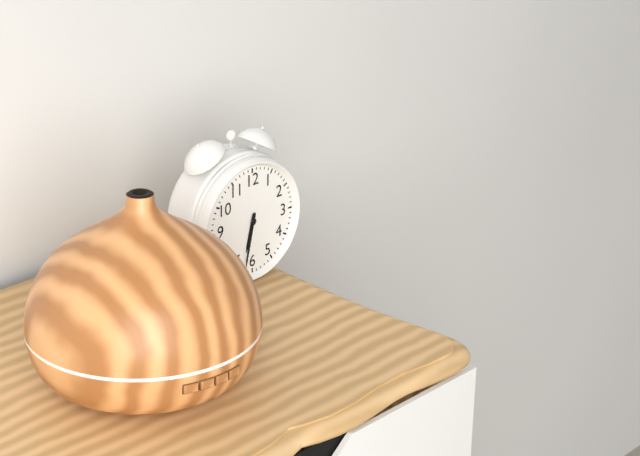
6:32
